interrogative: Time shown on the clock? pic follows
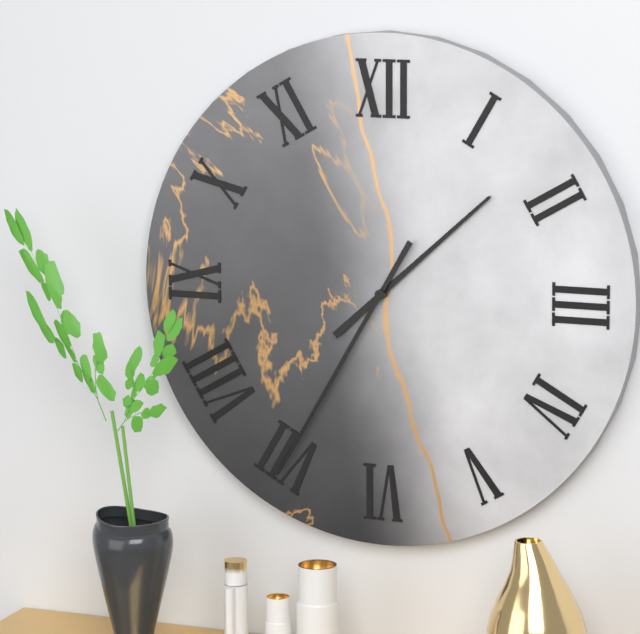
1:35
